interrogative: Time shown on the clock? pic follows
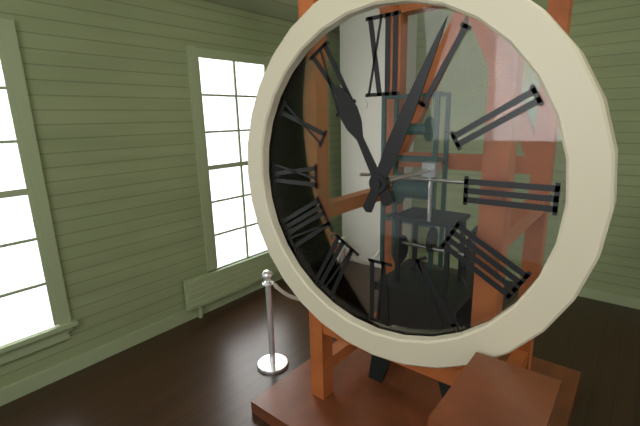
11:04
